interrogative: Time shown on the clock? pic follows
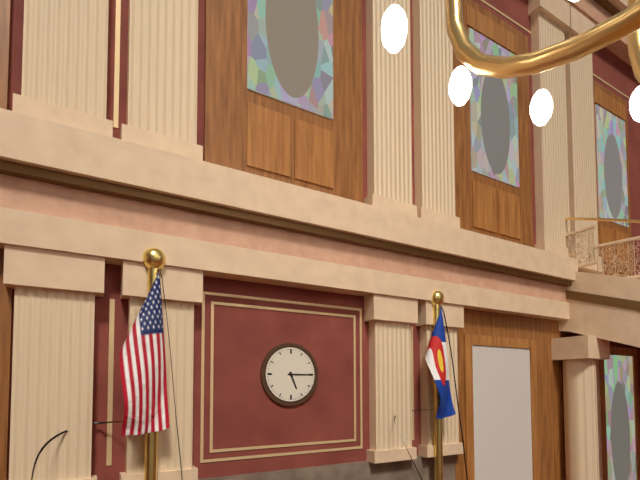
5:15
